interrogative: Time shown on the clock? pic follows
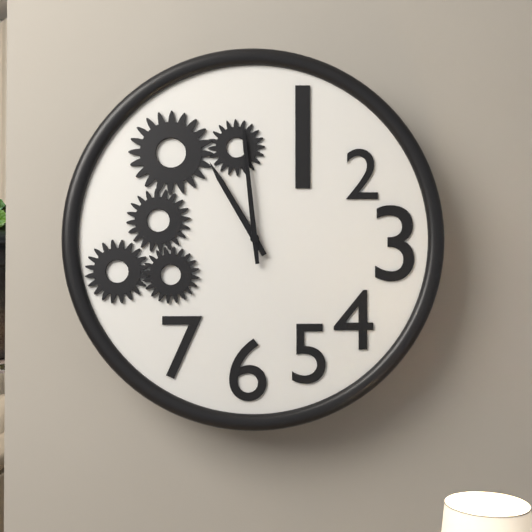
10:59
